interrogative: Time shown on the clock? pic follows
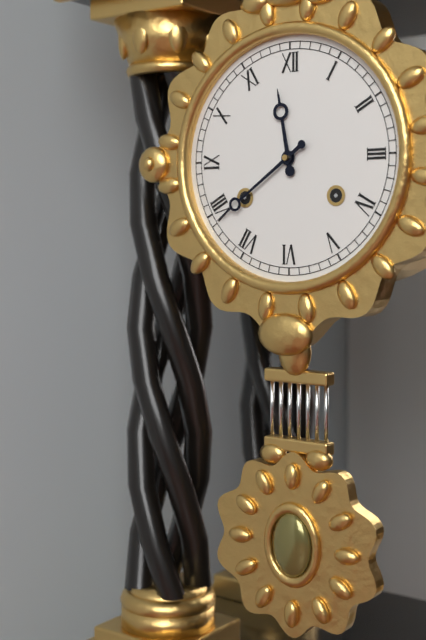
11:39
